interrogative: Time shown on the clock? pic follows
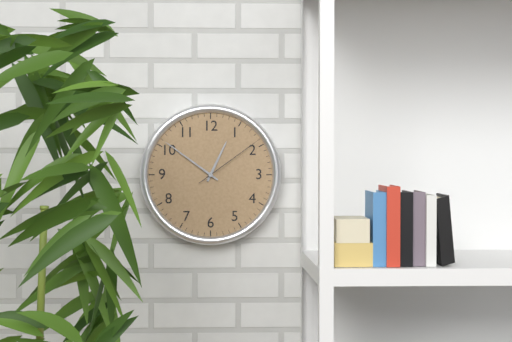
12:51:09
